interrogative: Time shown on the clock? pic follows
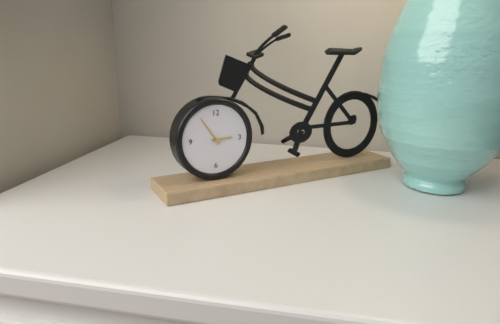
2:54
